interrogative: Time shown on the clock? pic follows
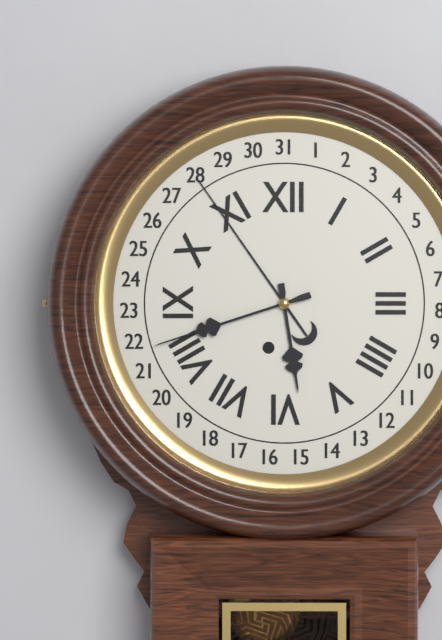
5:42
